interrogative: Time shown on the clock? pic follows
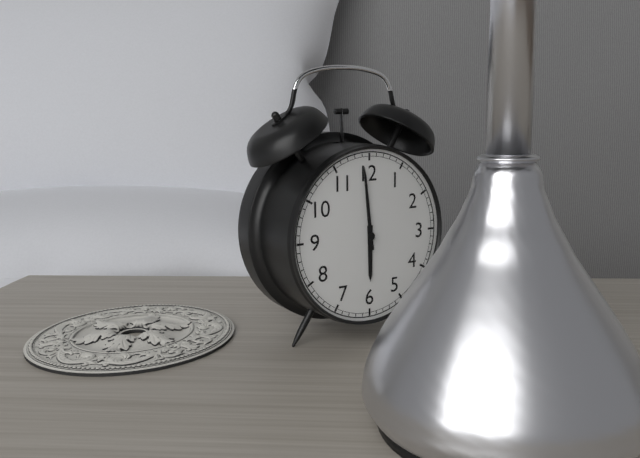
5:59
